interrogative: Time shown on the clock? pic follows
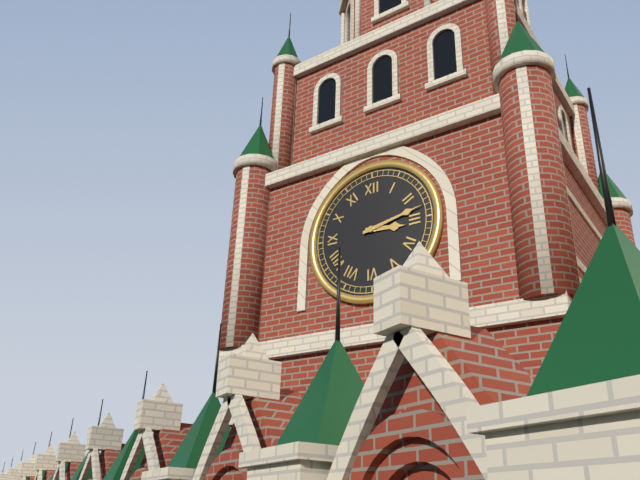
3:13
